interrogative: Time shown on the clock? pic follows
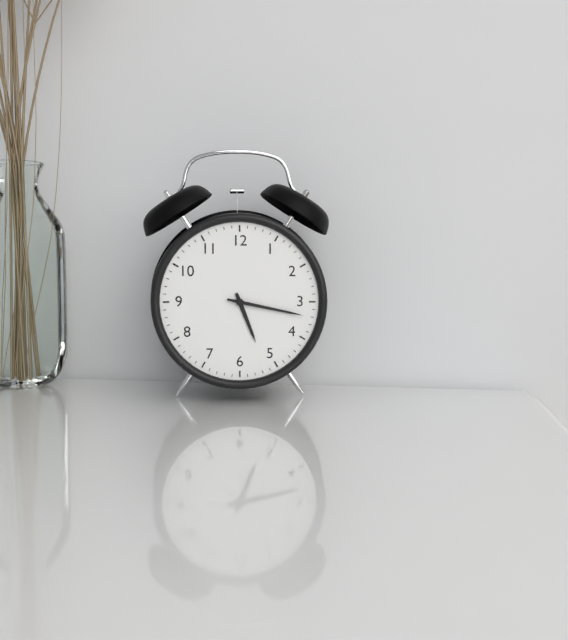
5:17
